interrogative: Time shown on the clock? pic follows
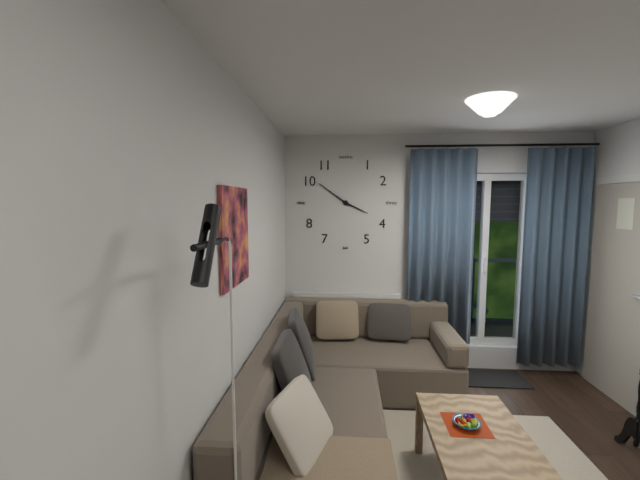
3:51
